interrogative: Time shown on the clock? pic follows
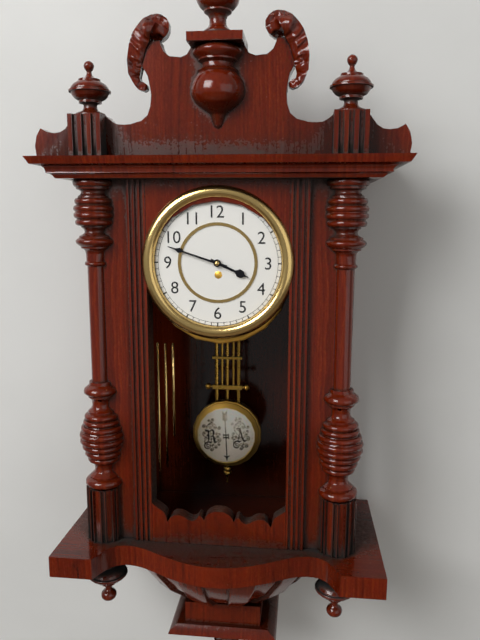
3:48
